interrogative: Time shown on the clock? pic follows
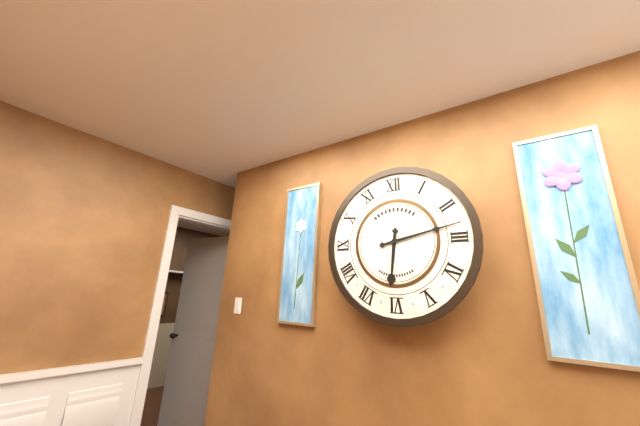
6:13
